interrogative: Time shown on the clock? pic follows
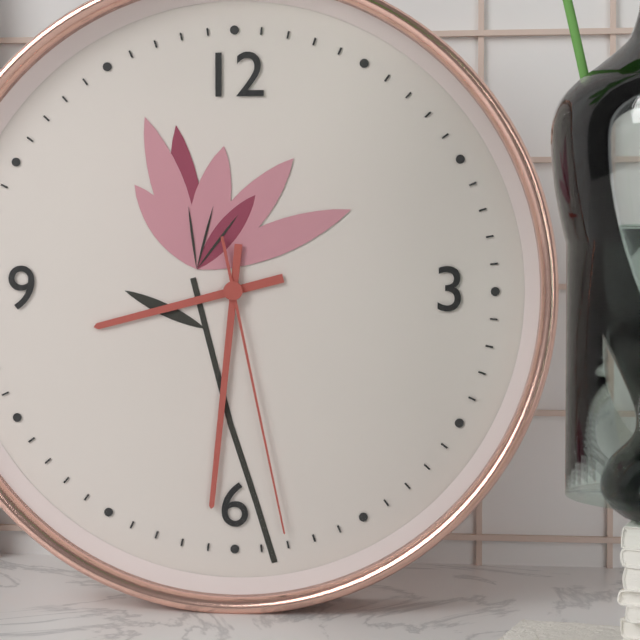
8:31:28
